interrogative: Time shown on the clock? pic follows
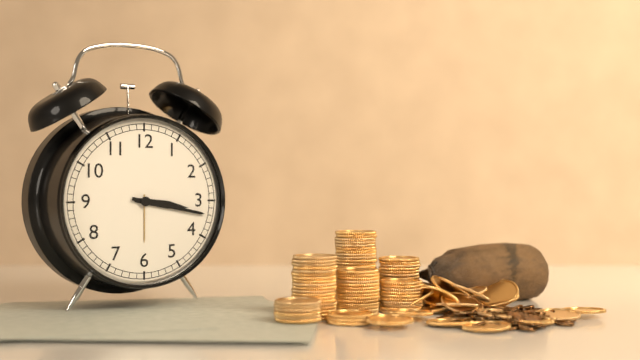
3:17
